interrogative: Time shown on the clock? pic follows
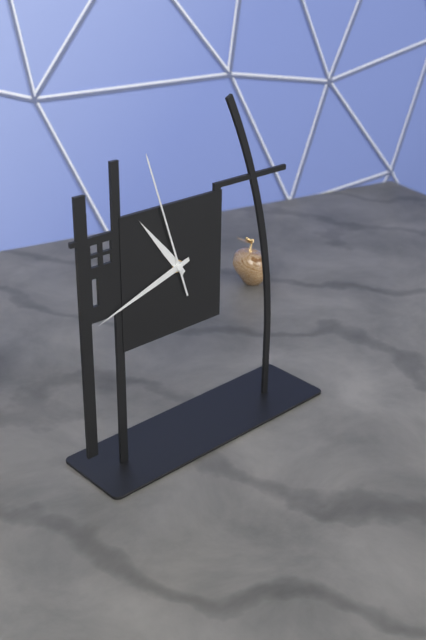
10:42:57
